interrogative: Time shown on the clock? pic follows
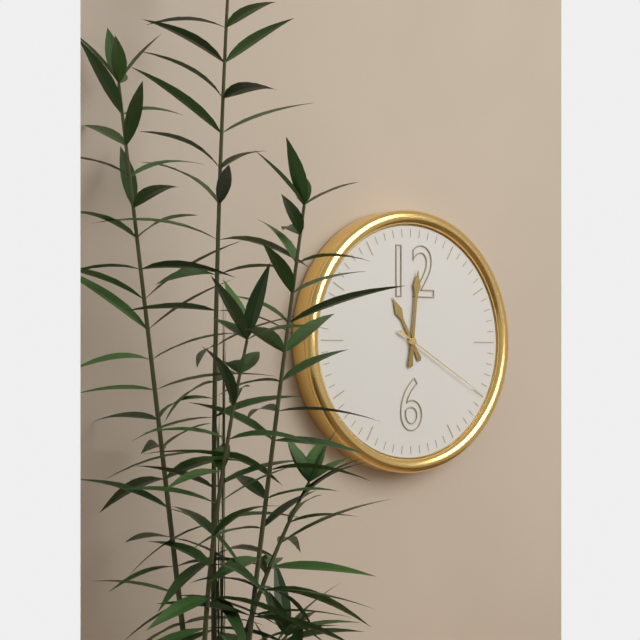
11:01:20
